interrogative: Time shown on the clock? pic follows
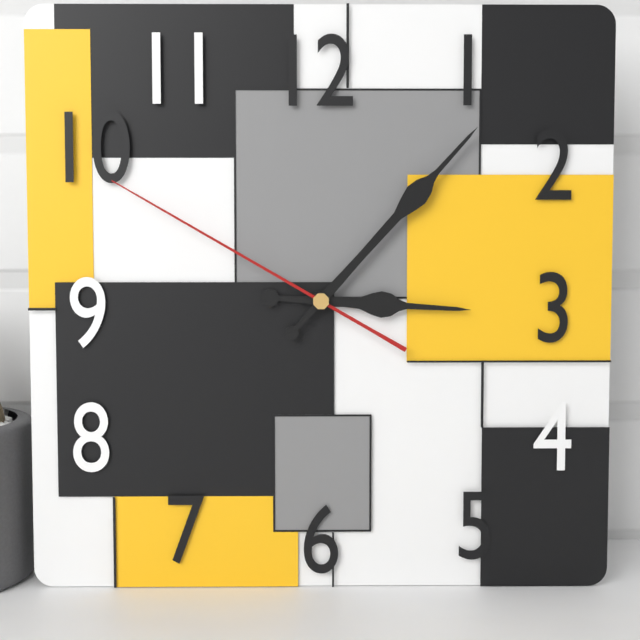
3:07:50
